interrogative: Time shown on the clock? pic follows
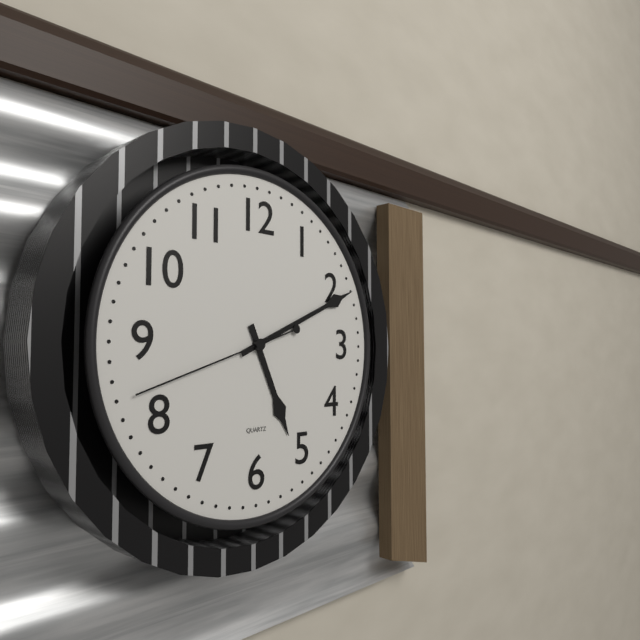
5:11:42
